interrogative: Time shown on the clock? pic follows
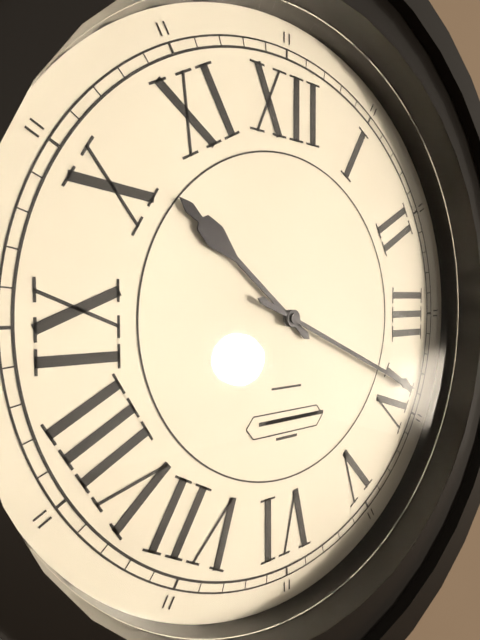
10:19
